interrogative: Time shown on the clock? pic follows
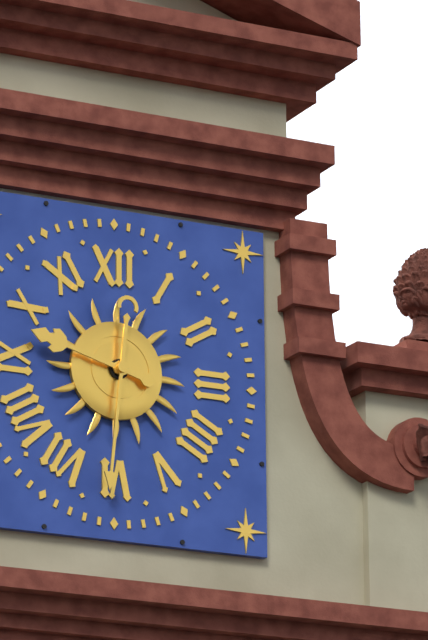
9:31
